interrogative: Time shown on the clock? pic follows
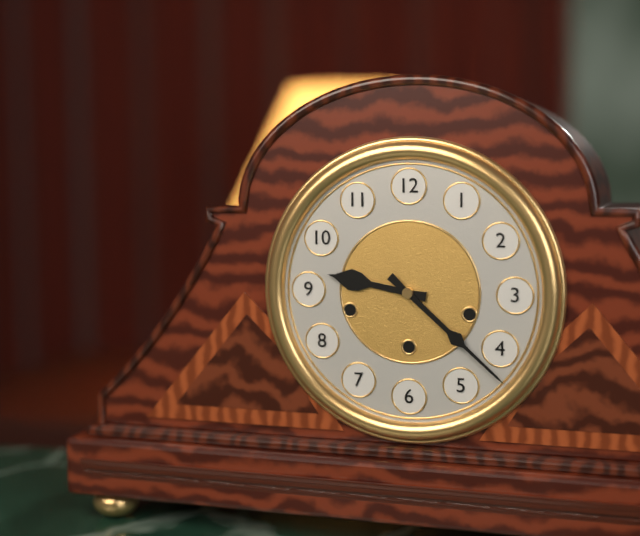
9:22
